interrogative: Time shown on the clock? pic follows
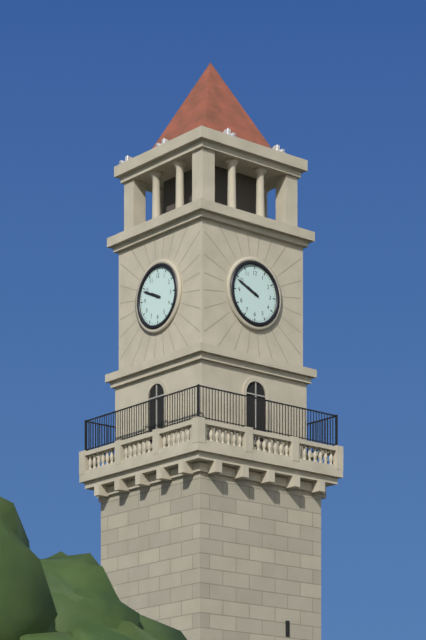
9:49
